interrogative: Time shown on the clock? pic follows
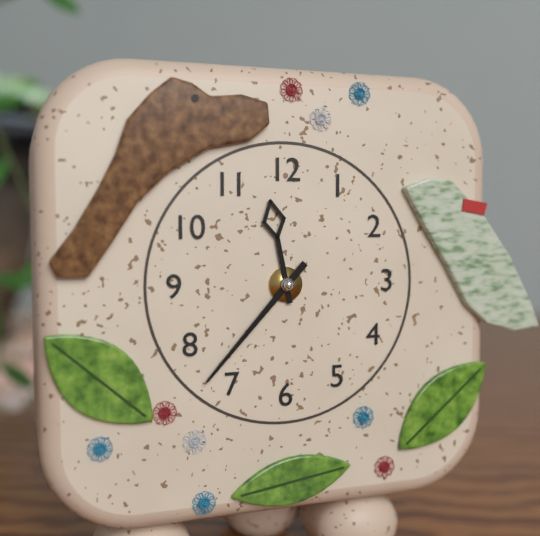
11:37
